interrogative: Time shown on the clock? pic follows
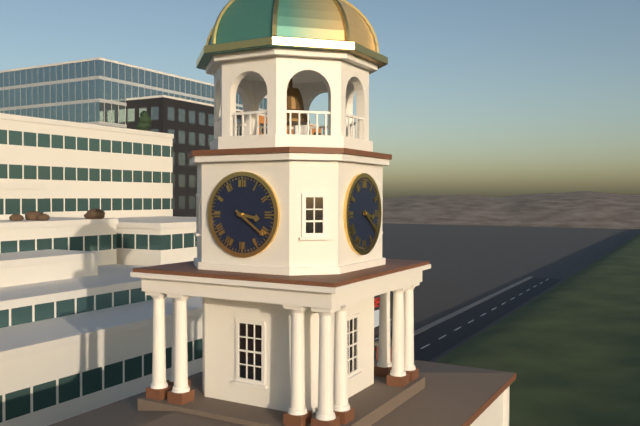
3:21
